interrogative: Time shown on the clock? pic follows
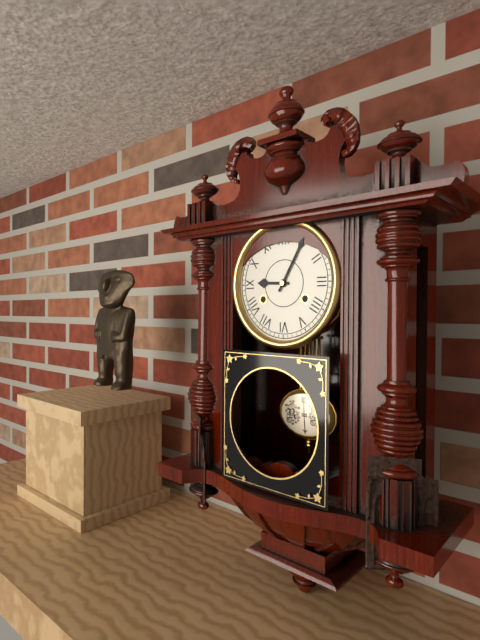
9:05
